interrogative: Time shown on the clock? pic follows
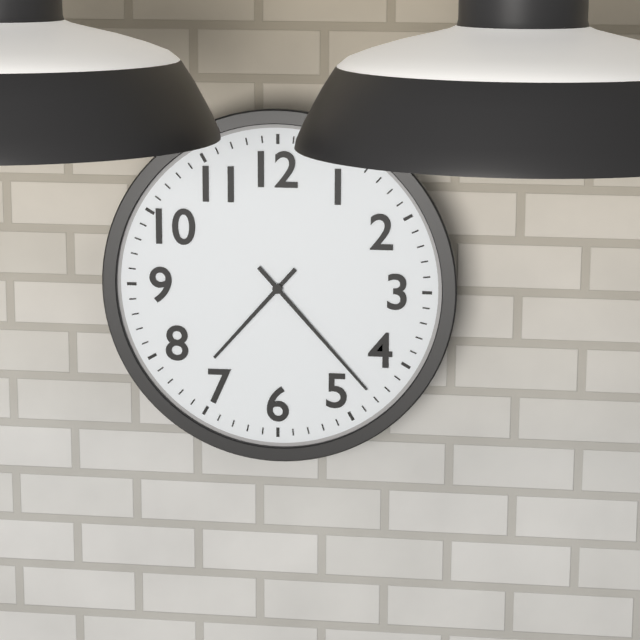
7:23
